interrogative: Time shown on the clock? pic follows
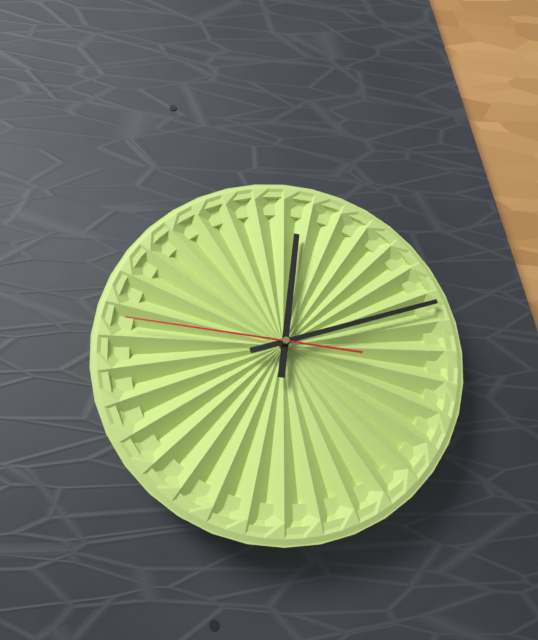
12:12:46
